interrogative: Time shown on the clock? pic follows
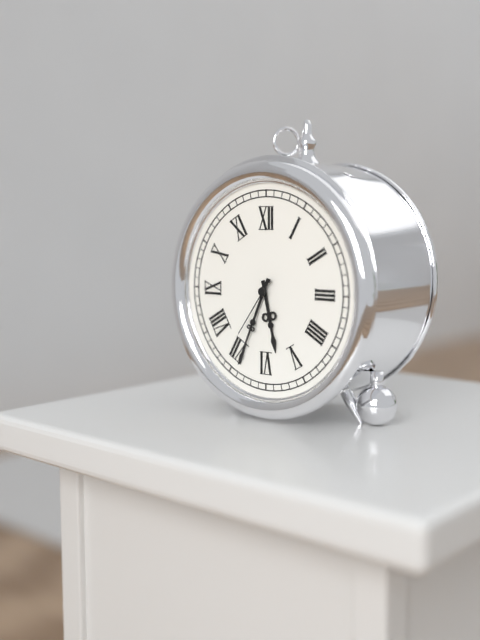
5:34:36
